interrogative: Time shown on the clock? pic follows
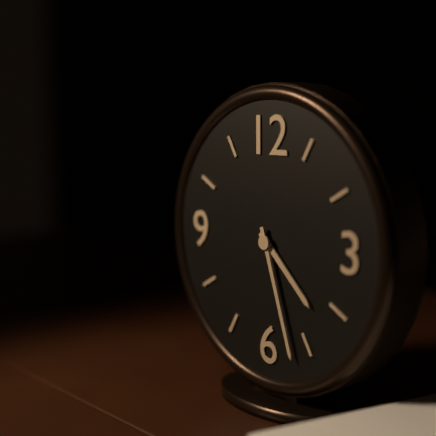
4:27
